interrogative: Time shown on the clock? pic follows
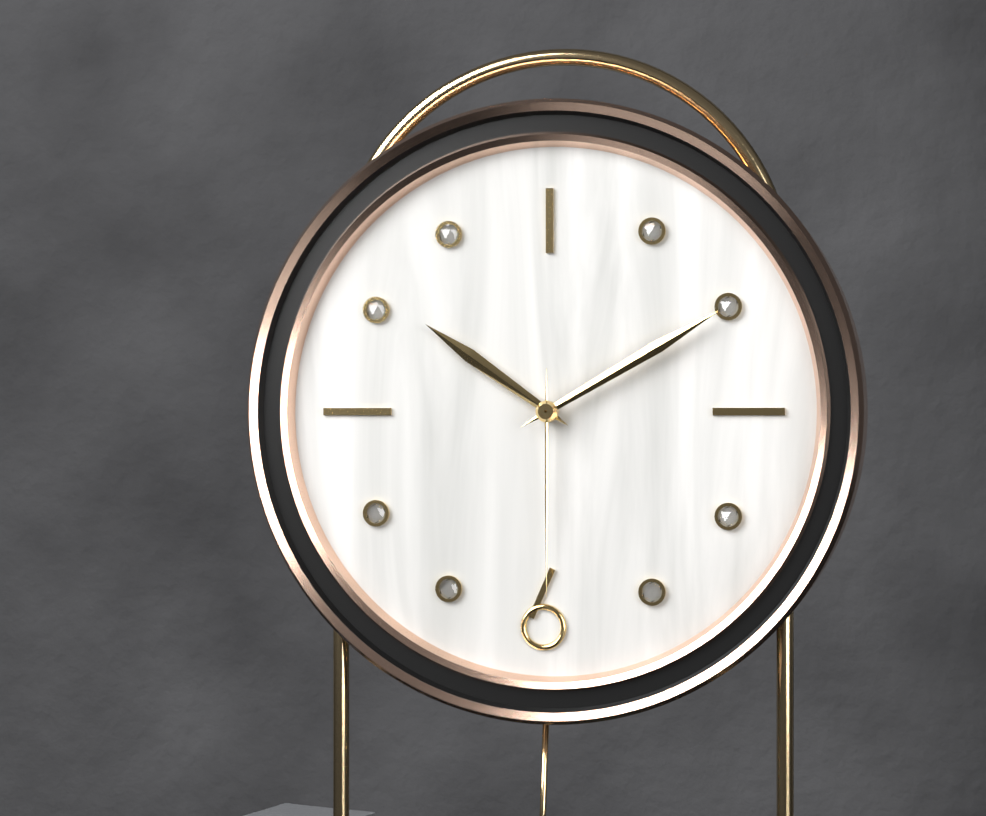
10:10:30
